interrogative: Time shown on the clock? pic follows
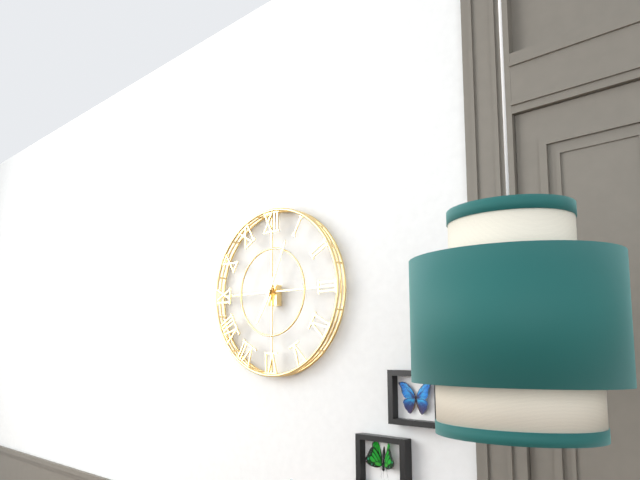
7:04
